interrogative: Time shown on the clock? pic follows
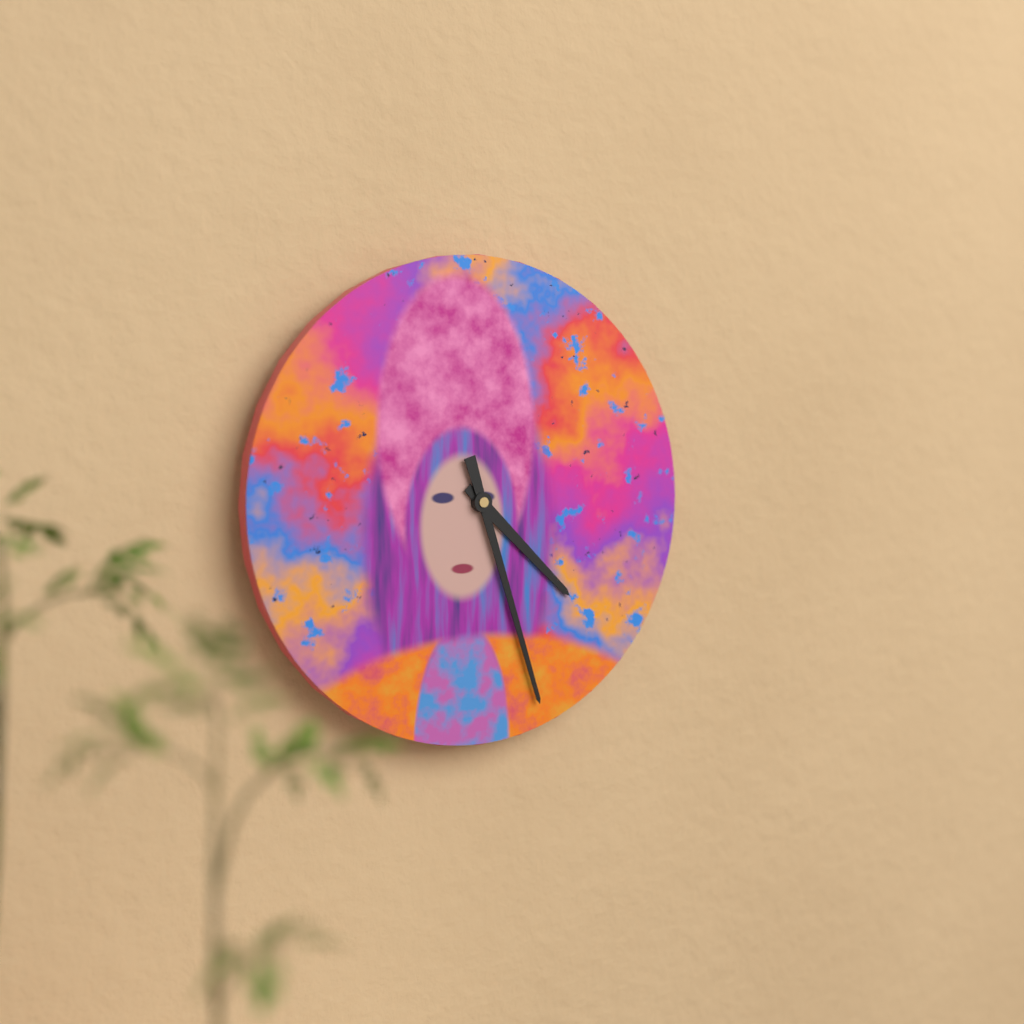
4:27
